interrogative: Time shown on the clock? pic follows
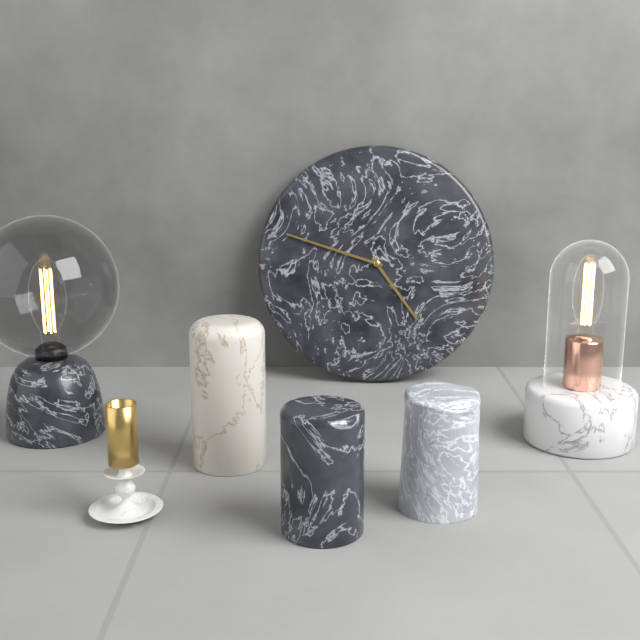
4:48
